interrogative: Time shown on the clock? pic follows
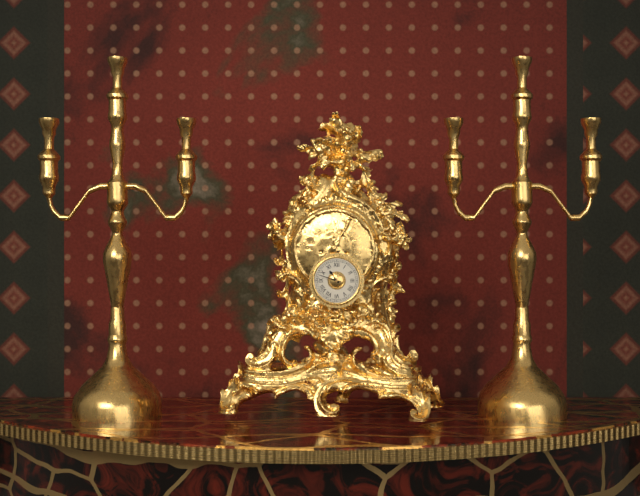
10:48
